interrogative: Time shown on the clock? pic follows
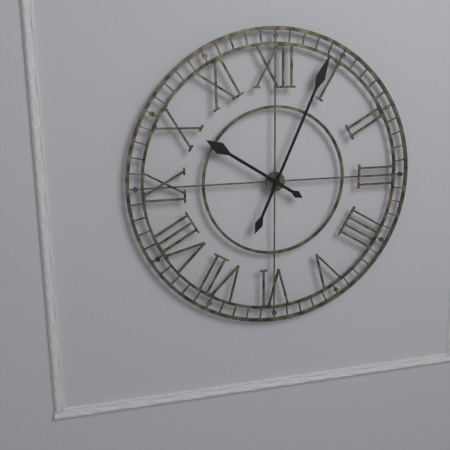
10:04
